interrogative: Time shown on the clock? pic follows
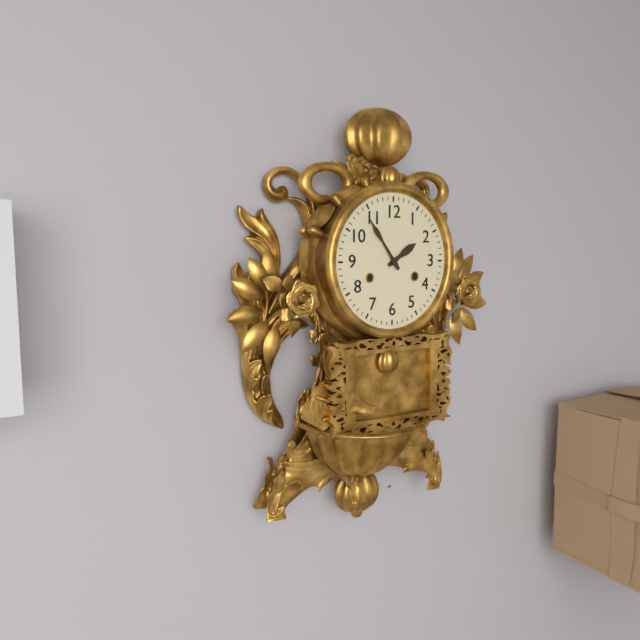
1:54
